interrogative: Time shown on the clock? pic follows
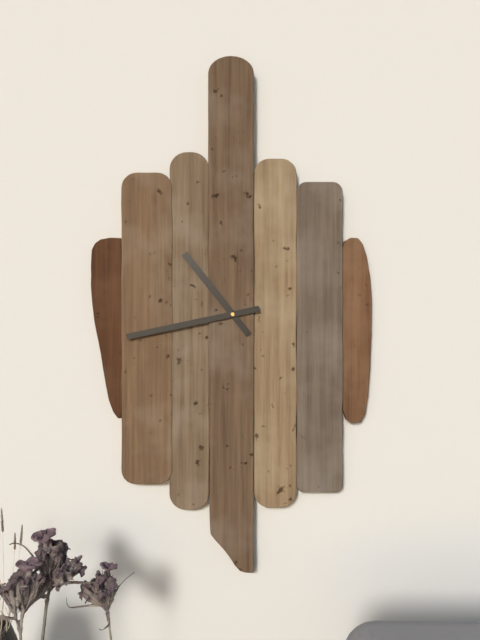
10:43
